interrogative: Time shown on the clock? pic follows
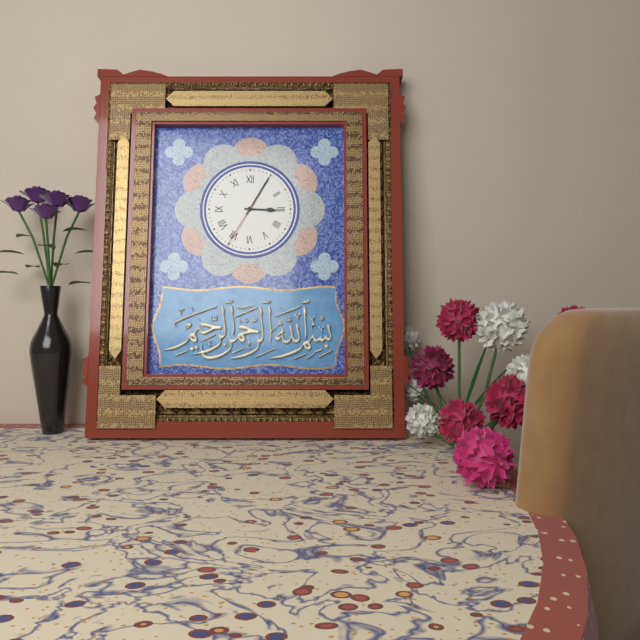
3:05:35
